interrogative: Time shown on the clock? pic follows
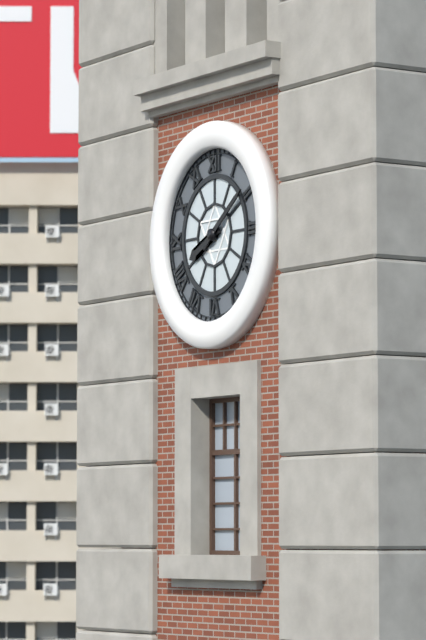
8:09
